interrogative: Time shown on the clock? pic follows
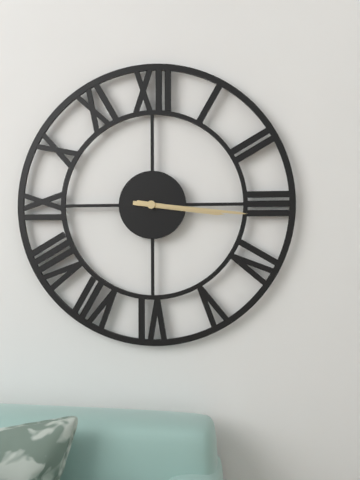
3:16
